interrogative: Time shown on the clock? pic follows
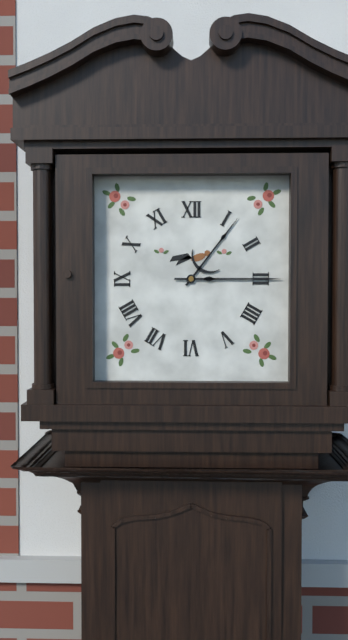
1:15
